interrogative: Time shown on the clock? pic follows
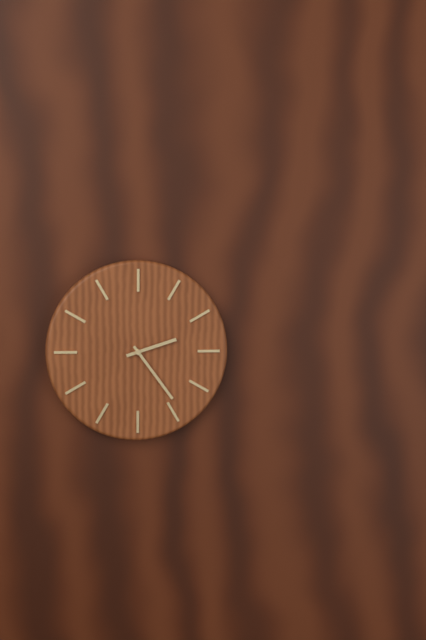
2:24
